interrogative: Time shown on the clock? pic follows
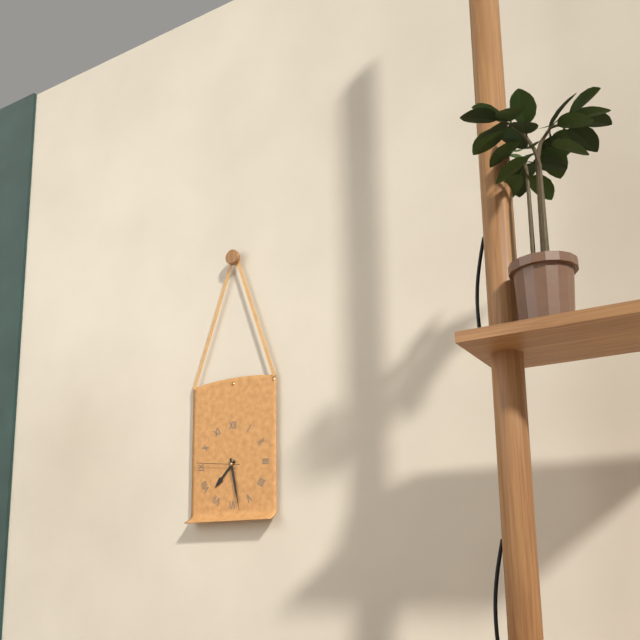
7:28
